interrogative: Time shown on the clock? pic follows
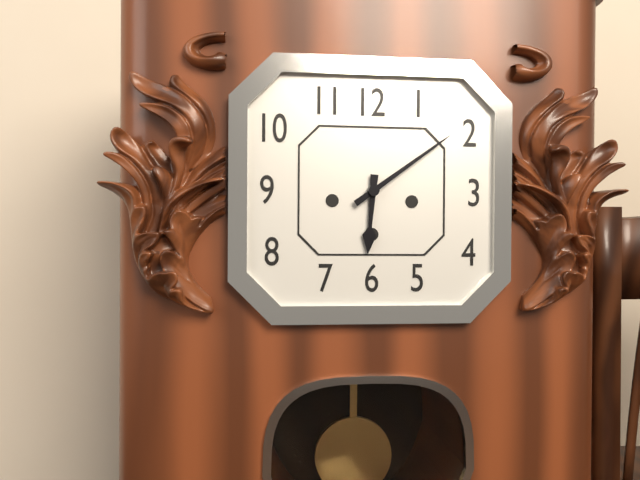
6:09
